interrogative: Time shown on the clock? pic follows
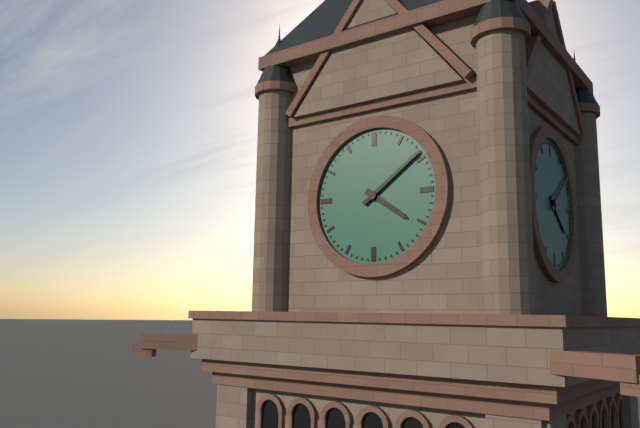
4:09
